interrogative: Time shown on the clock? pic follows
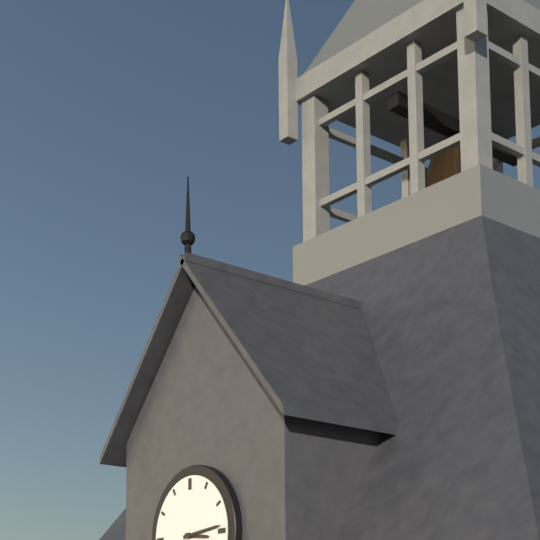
3:14
